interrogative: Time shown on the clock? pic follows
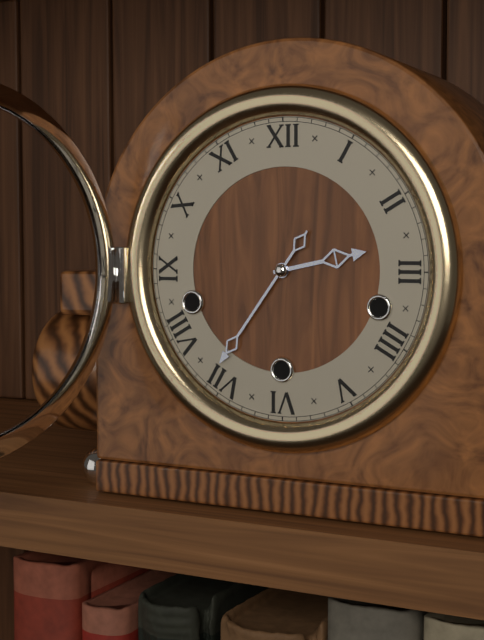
2:36
